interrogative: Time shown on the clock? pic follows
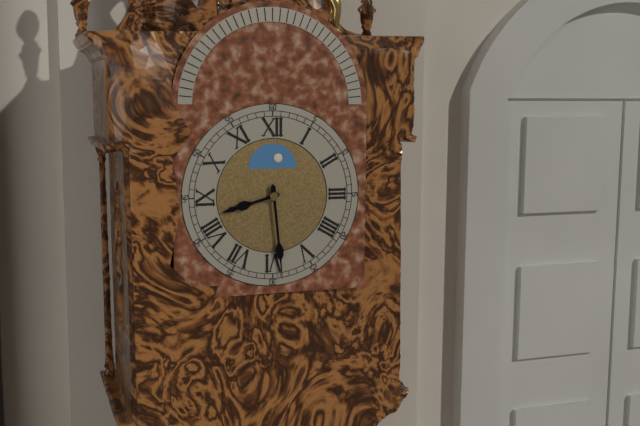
8:29
